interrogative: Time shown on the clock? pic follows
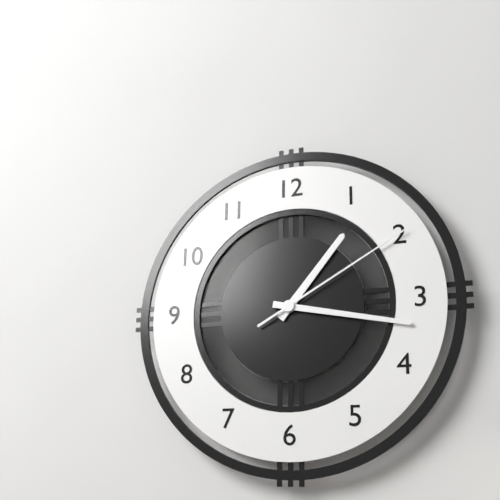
1:17:10
